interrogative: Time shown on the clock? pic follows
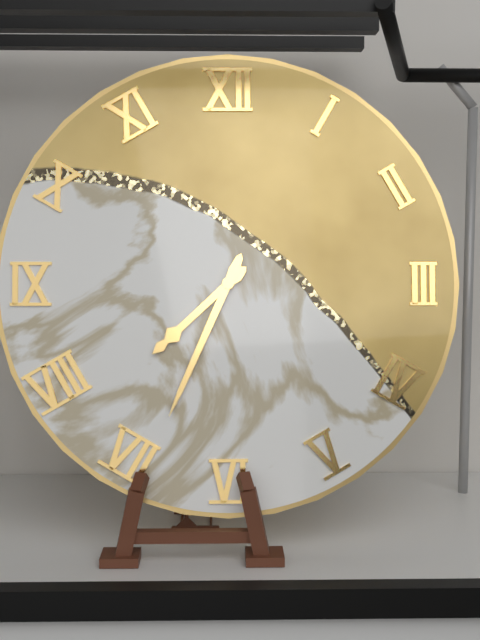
7:34
